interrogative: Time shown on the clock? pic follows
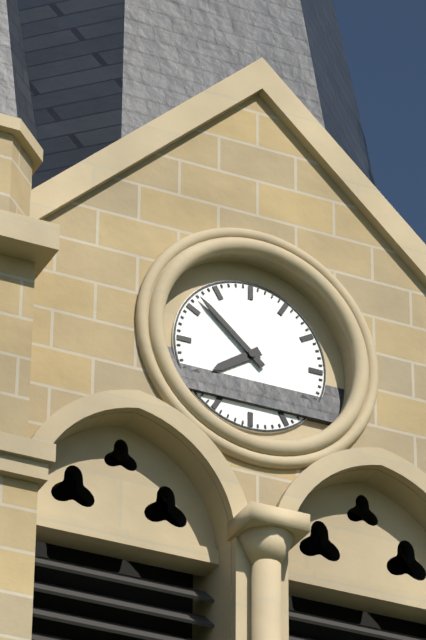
7:52
